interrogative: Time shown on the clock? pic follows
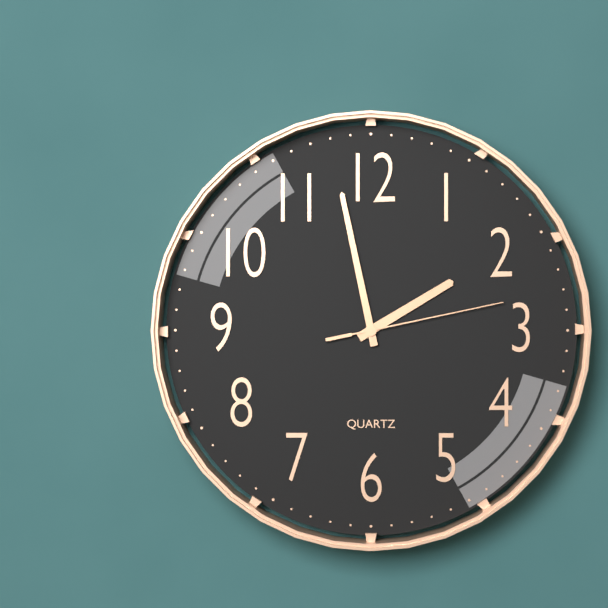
1:58:13
